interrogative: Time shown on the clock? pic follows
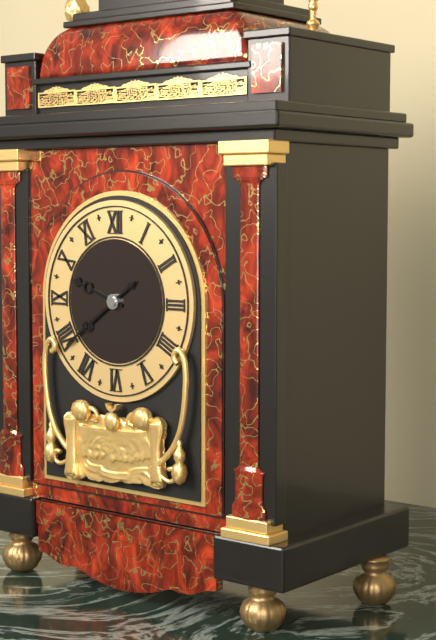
9:39
